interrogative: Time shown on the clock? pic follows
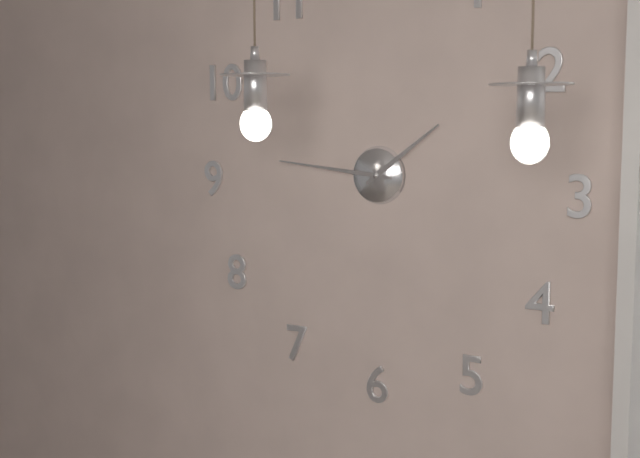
1:46
